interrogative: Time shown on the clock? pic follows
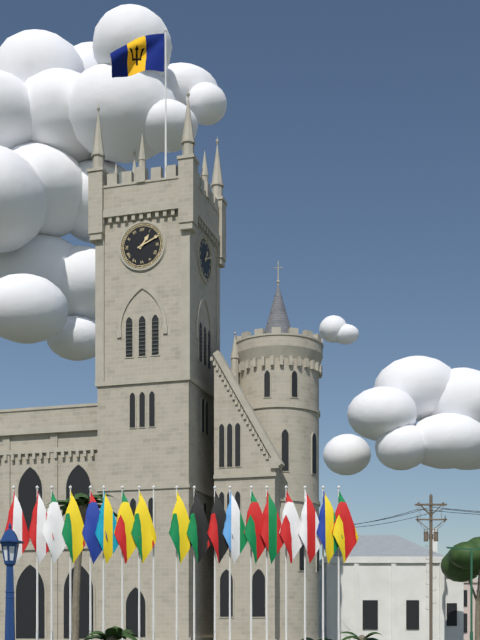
1:11
